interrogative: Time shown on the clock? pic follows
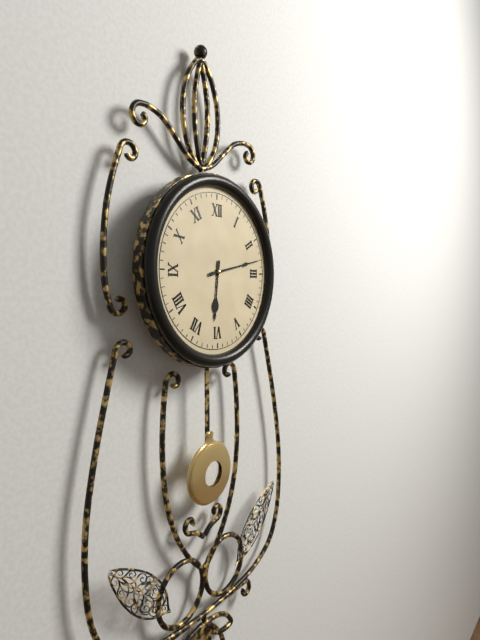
6:13
